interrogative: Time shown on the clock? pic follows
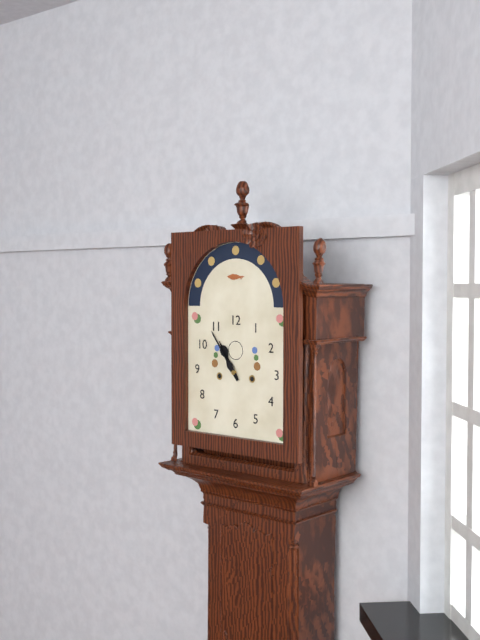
10:54
